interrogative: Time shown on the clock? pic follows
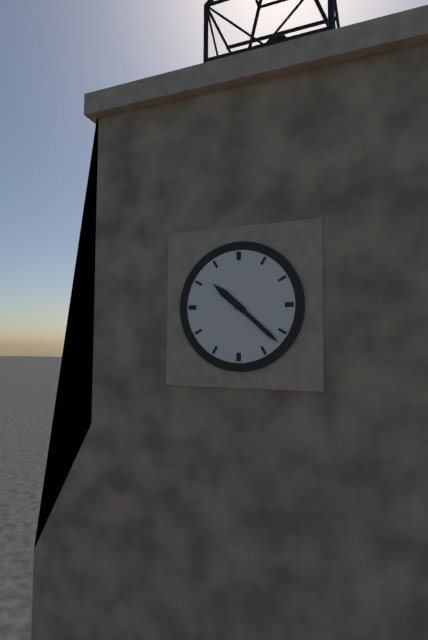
10:22
